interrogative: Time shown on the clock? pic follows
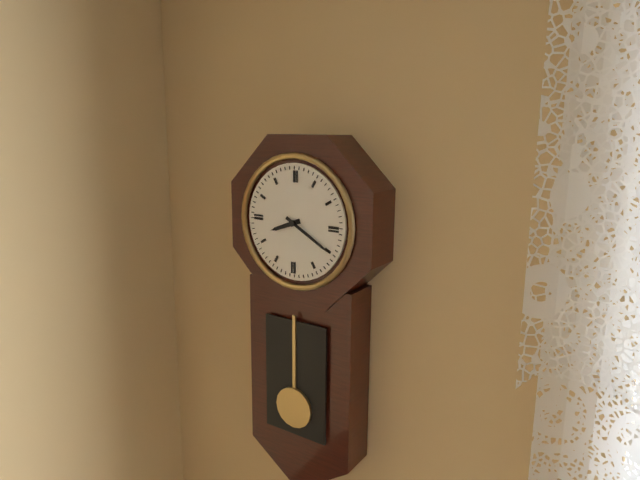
8:20
